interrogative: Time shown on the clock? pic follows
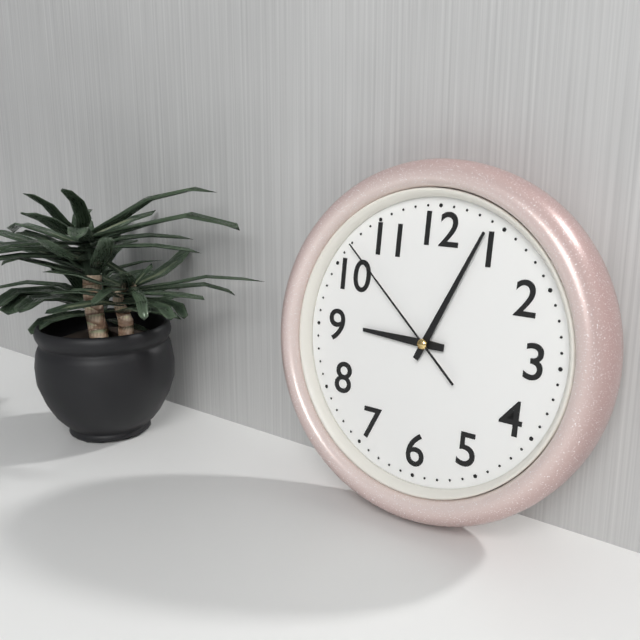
9:04:52
